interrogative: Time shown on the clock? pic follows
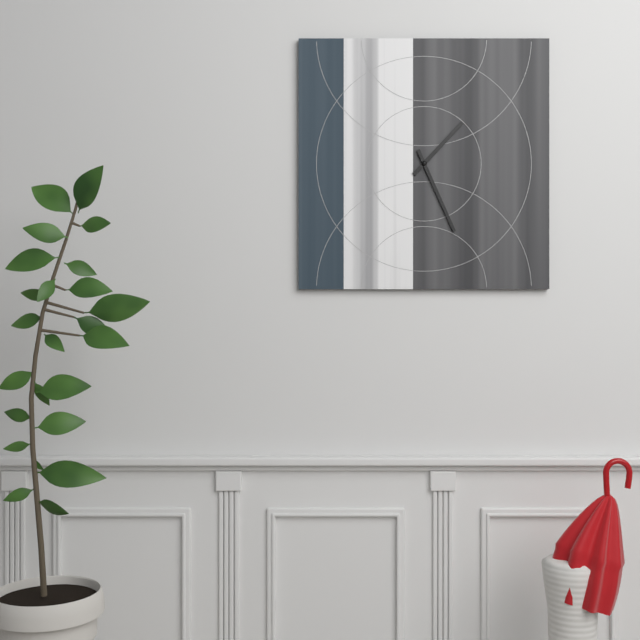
1:26
